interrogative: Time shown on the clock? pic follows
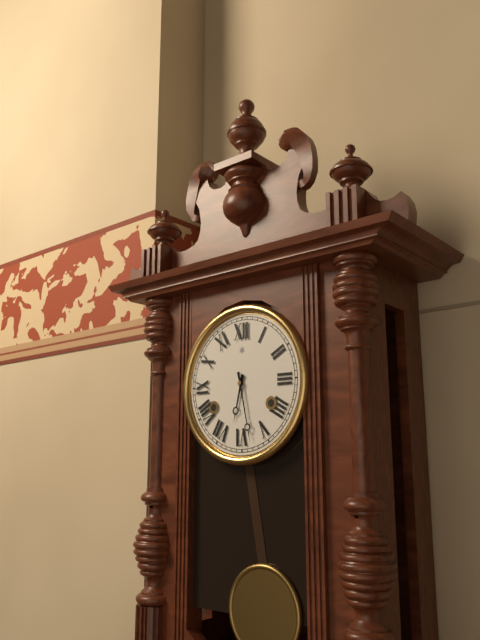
6:28
